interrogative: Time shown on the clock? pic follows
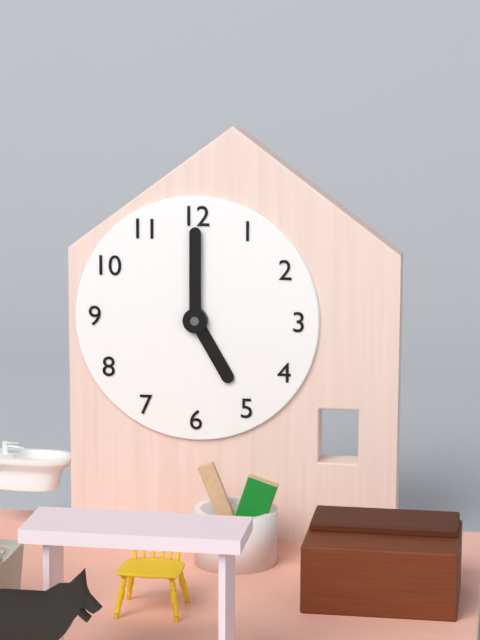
5:00
